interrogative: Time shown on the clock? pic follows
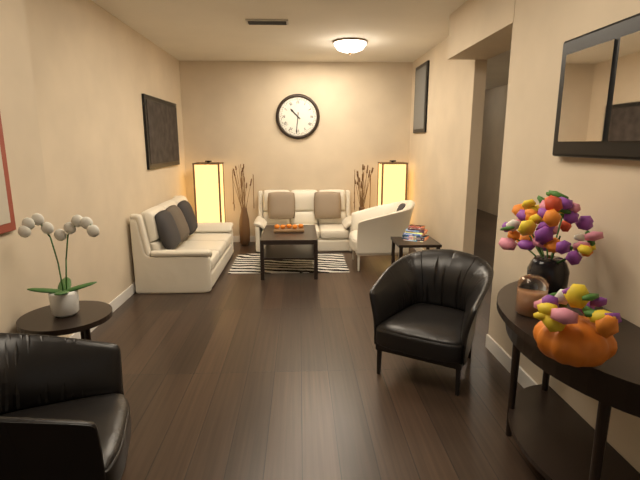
10:31
